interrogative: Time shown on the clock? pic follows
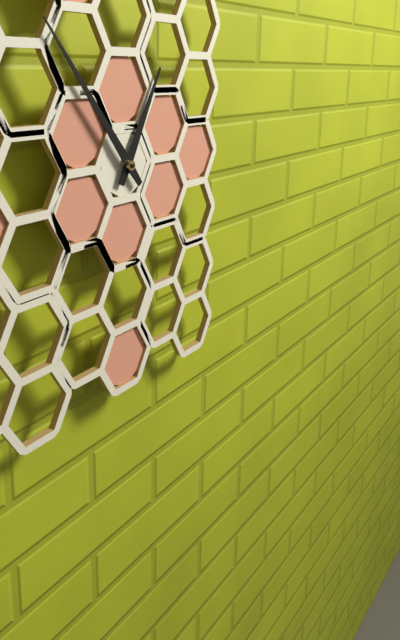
12:54
